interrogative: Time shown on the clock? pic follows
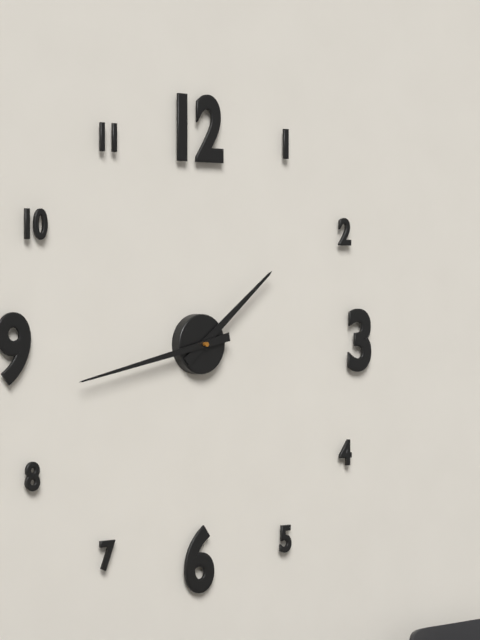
1:43
